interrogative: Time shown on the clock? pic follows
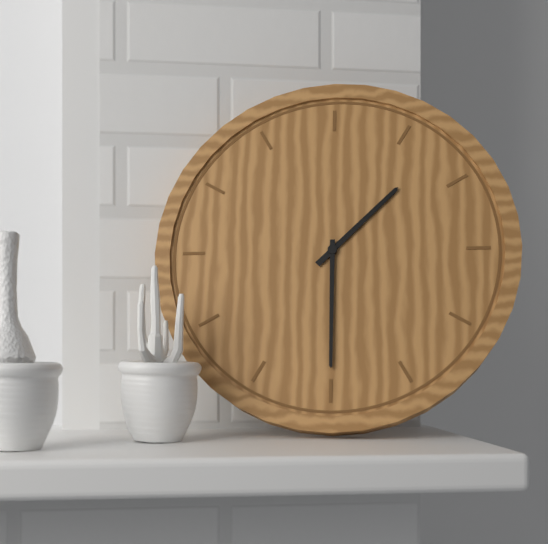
1:30
